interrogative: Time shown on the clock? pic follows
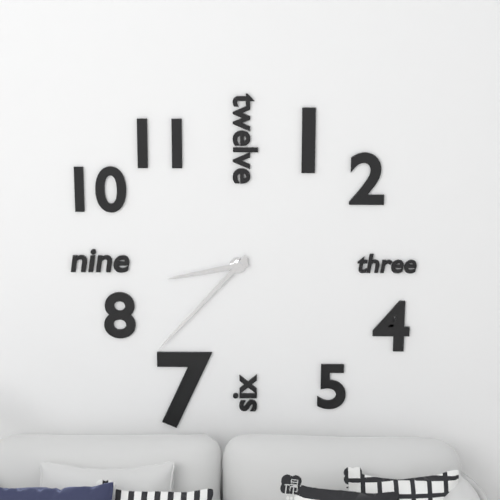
8:37
